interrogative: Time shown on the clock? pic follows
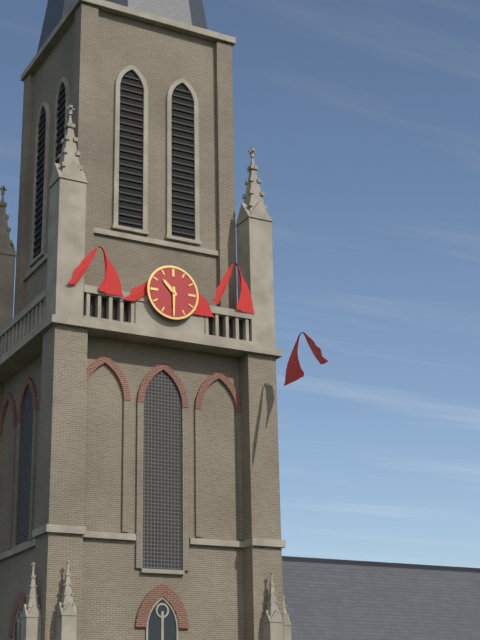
10:30
